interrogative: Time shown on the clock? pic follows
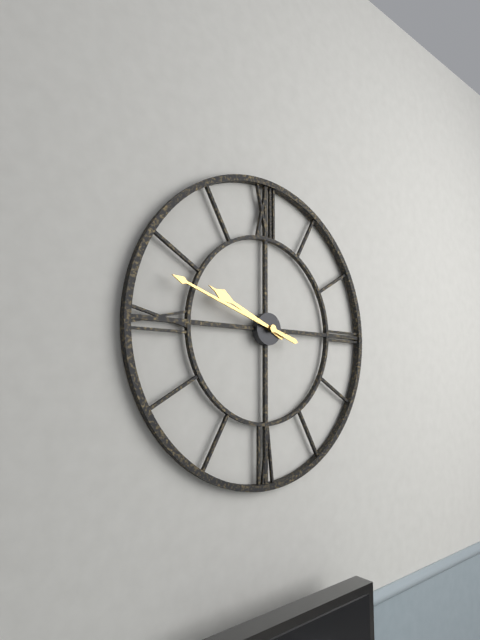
9:48
